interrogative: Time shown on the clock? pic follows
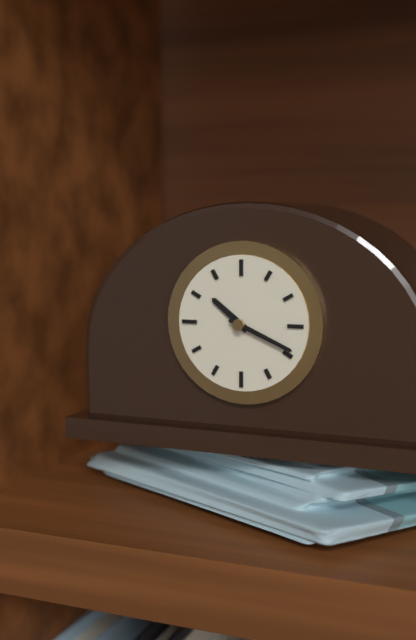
10:19
